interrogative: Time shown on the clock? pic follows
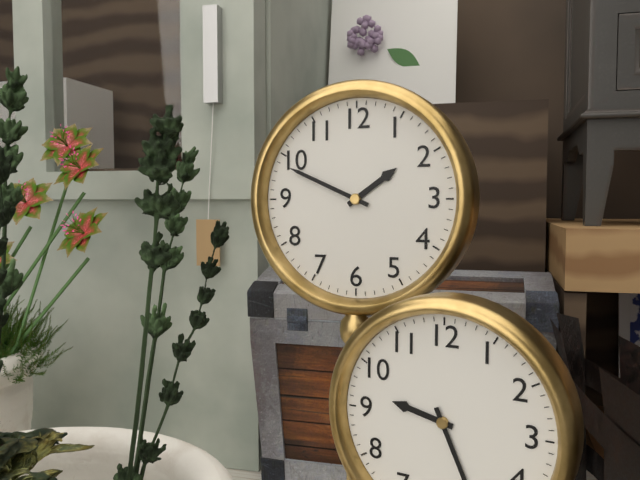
1:49
